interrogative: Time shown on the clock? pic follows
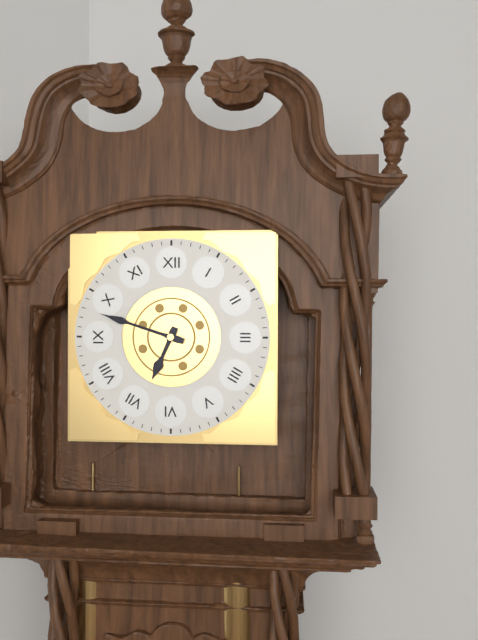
6:48
